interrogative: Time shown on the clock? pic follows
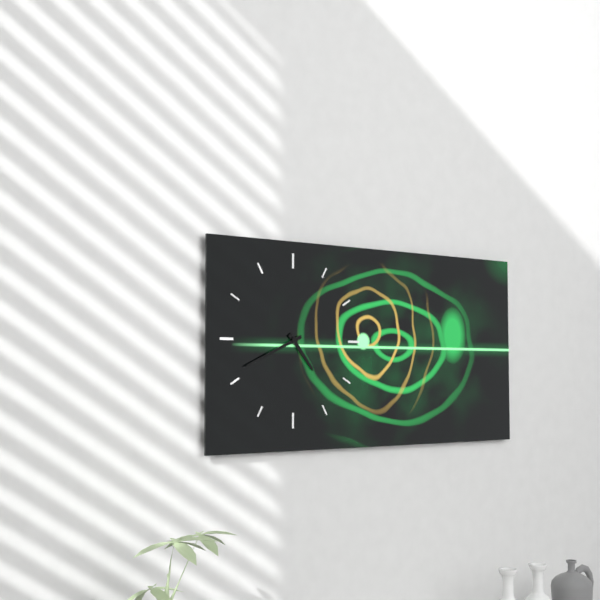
4:41
